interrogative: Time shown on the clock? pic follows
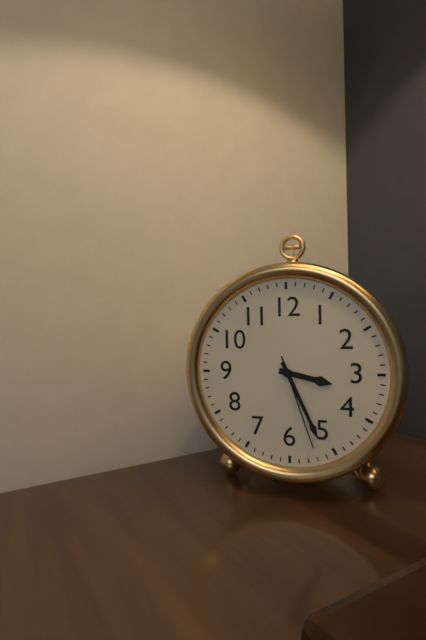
3:26:27
